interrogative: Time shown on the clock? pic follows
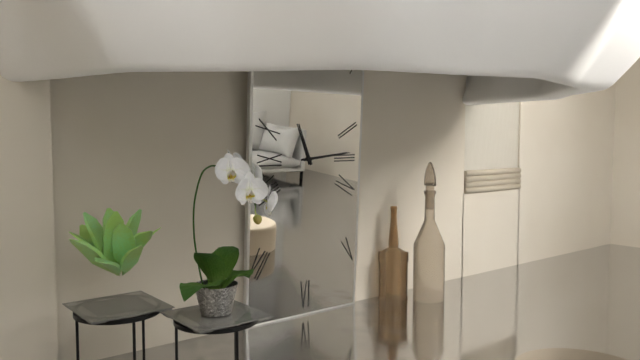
11:14
